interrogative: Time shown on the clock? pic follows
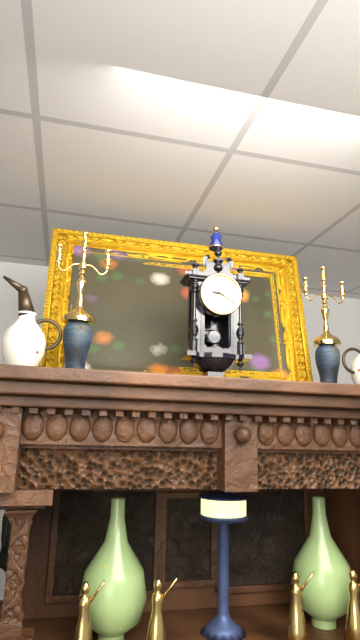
9:20
